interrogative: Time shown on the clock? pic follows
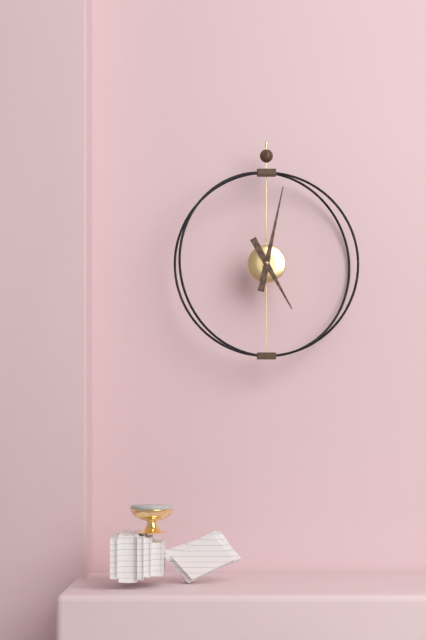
5:02
